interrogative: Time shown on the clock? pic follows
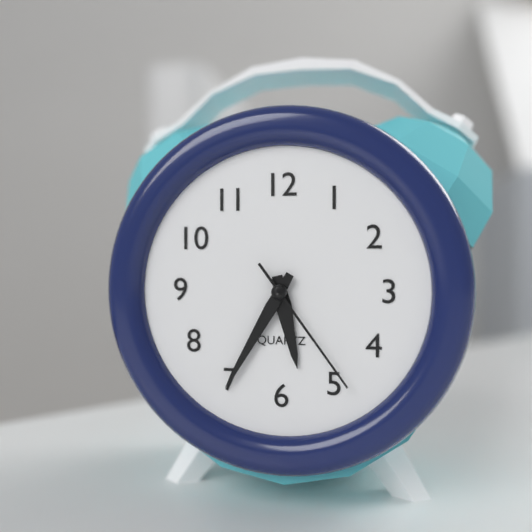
5:35:24
